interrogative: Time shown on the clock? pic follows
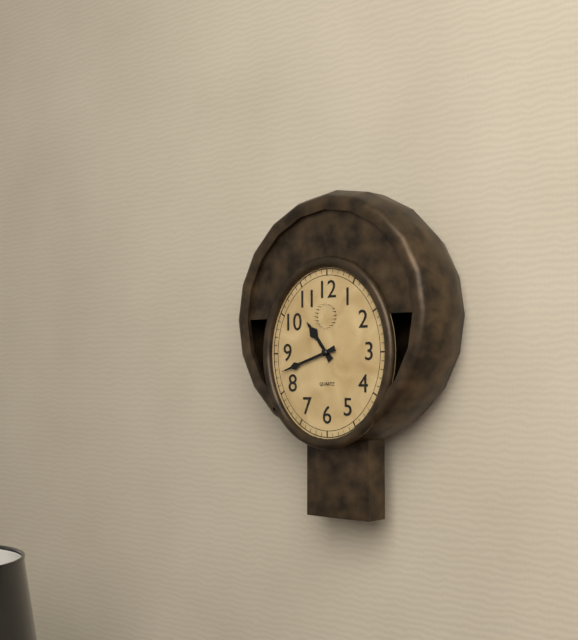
10:42
